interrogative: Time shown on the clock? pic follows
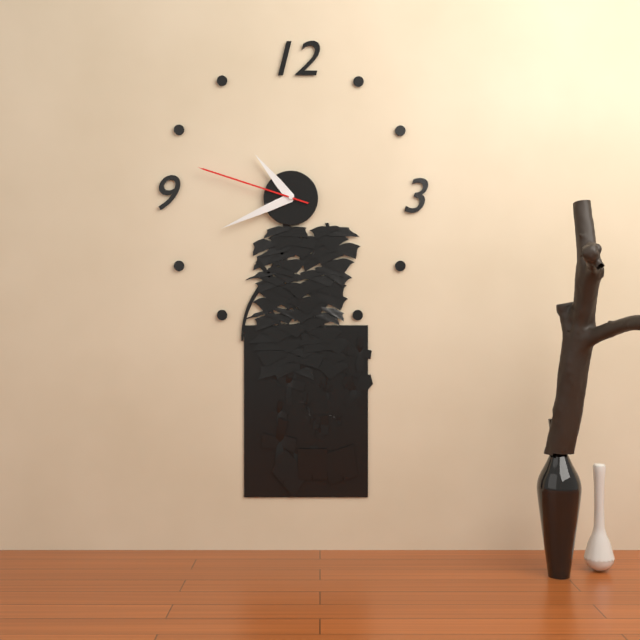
10:41:48
